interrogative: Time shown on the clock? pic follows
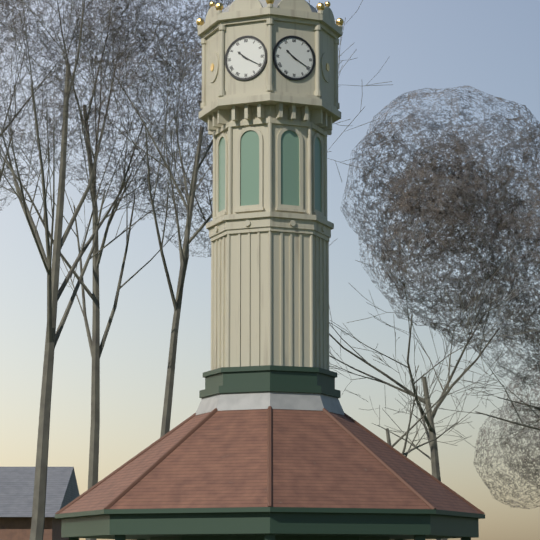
10:20
